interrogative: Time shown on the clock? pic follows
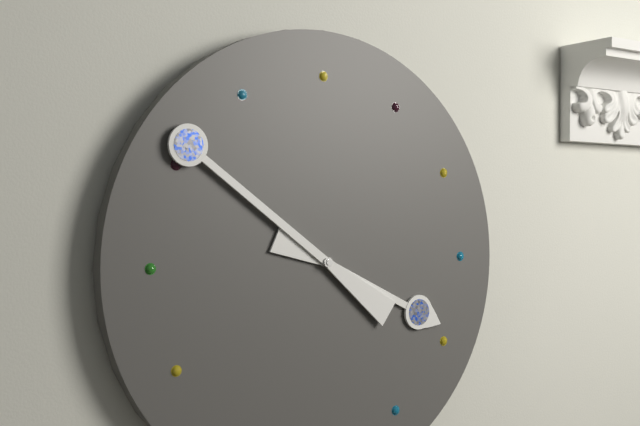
3:51
